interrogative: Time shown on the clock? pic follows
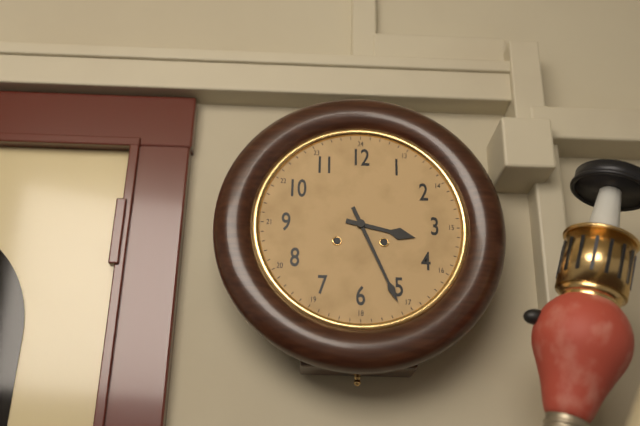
3:26
